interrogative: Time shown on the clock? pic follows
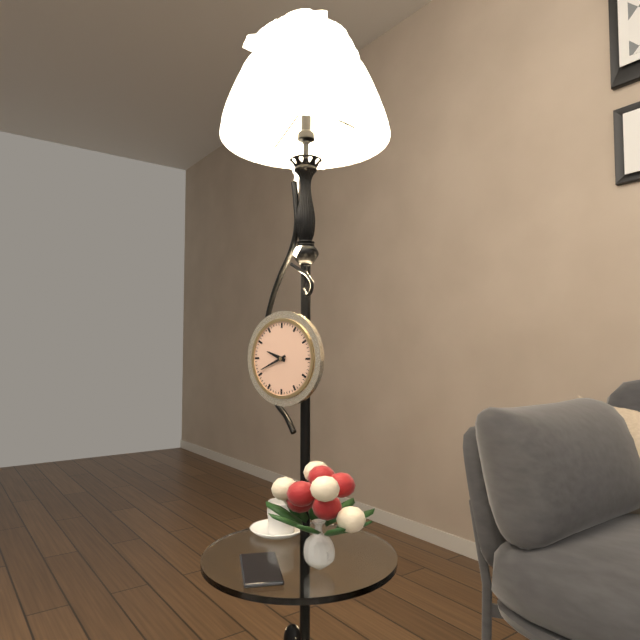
9:41
